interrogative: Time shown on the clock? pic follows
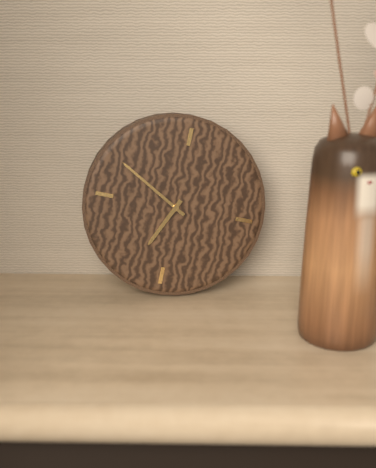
6:50
